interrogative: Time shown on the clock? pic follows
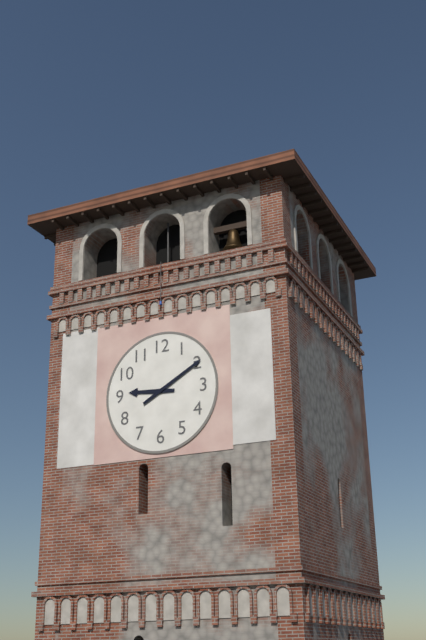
9:10
